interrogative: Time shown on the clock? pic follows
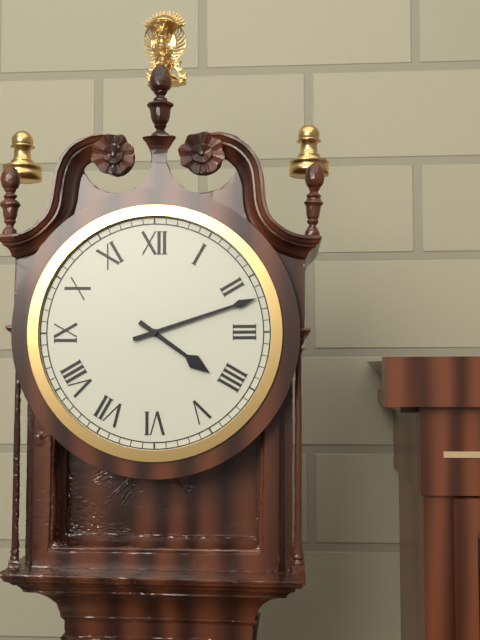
4:12
